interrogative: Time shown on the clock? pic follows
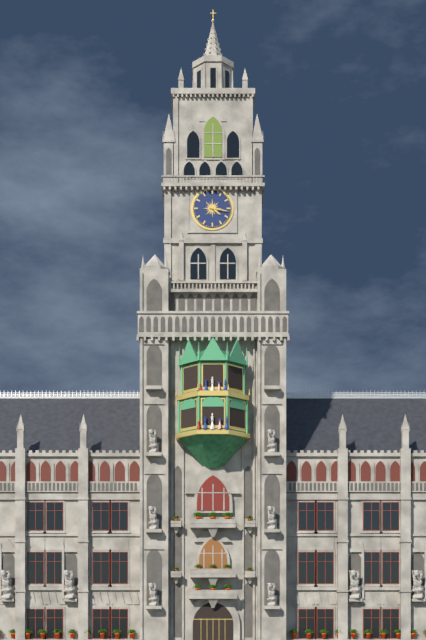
4:17
